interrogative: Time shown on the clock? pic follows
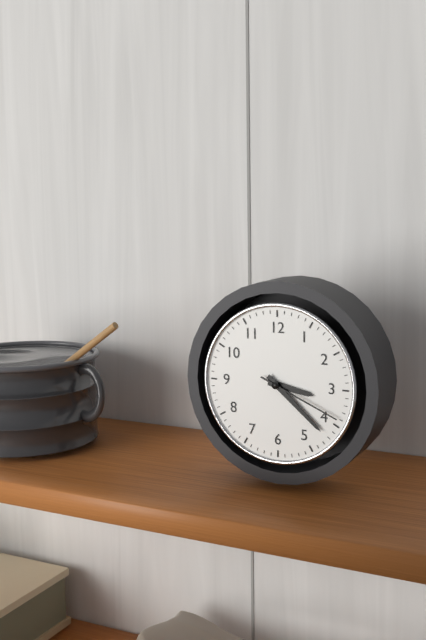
3:22:19
